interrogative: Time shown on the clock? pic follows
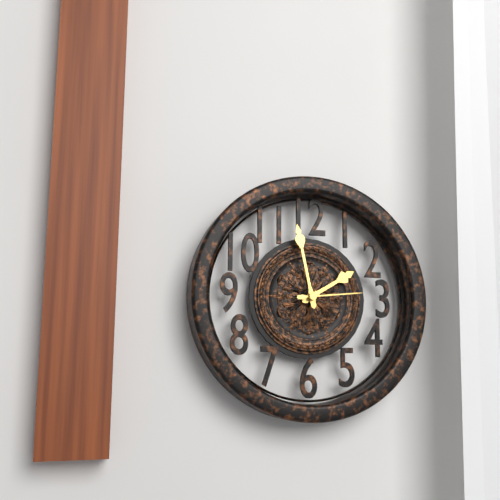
1:58:14
